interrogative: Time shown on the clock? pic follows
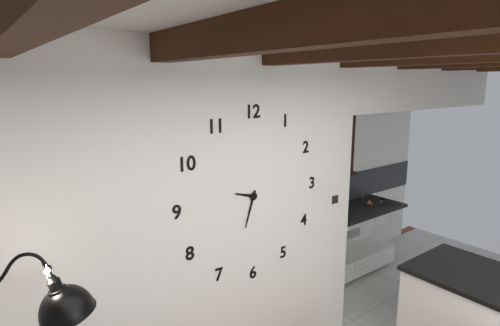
9:33
